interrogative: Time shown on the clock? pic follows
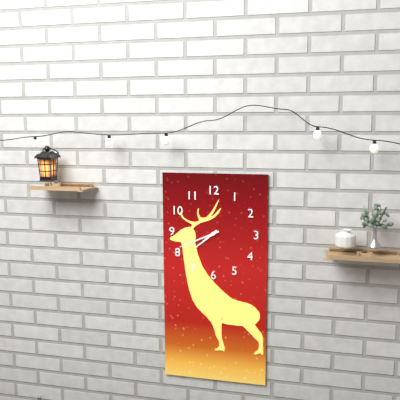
7:41
